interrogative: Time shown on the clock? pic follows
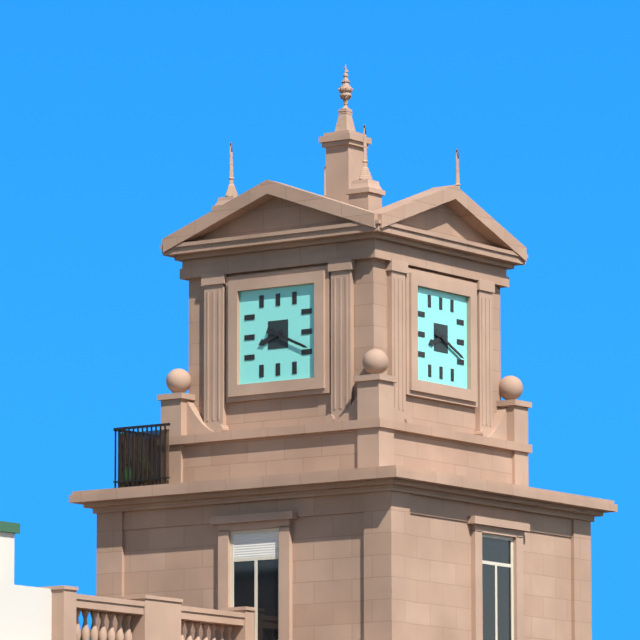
8:19
